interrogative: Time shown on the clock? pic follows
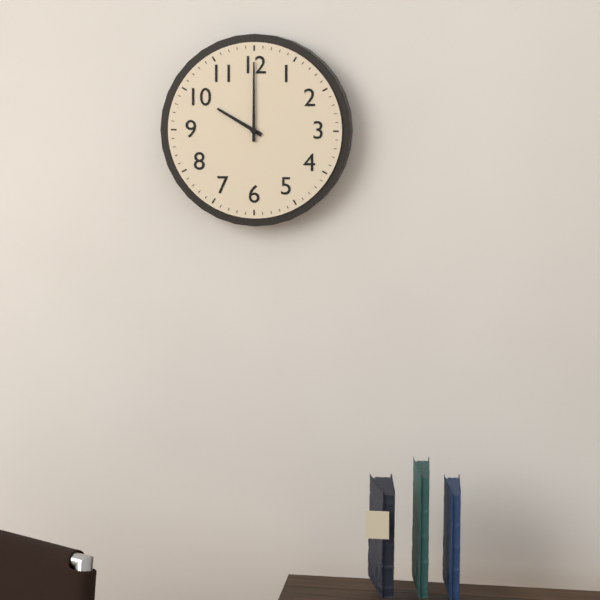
10:00
